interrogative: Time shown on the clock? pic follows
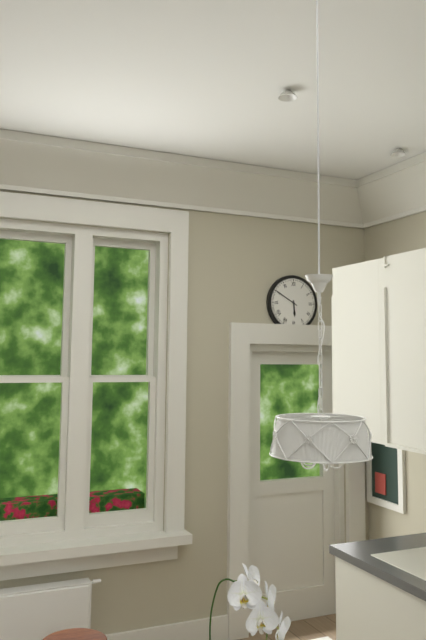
5:50
